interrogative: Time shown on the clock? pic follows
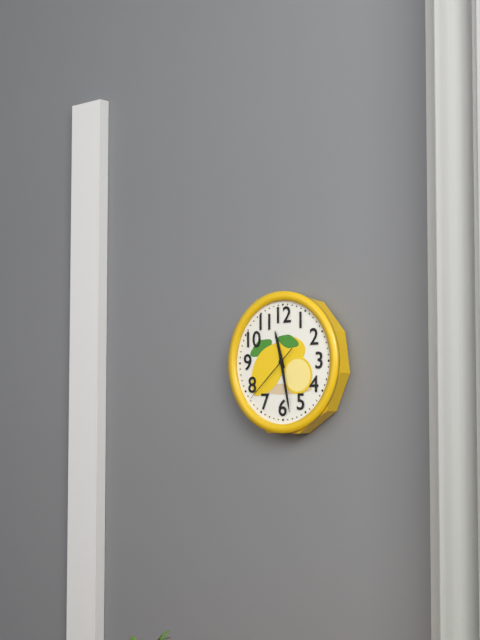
11:28:38
